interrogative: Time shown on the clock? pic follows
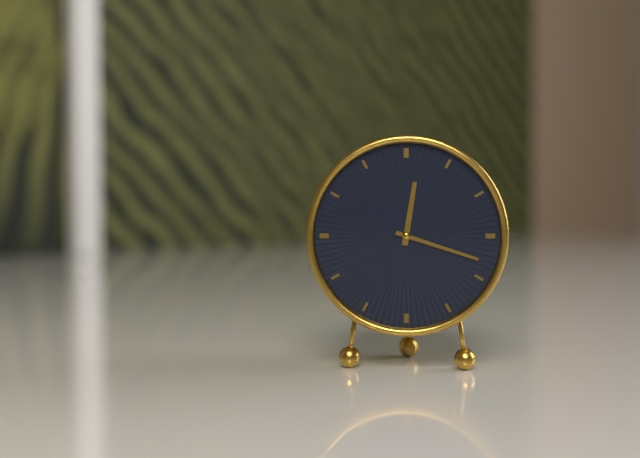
12:18
